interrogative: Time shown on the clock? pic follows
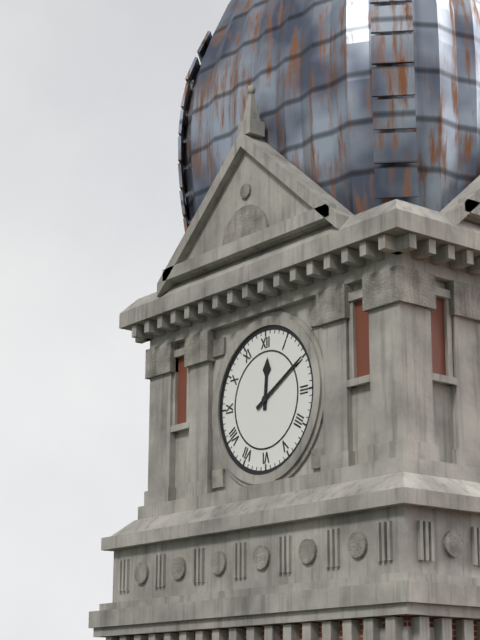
12:10
